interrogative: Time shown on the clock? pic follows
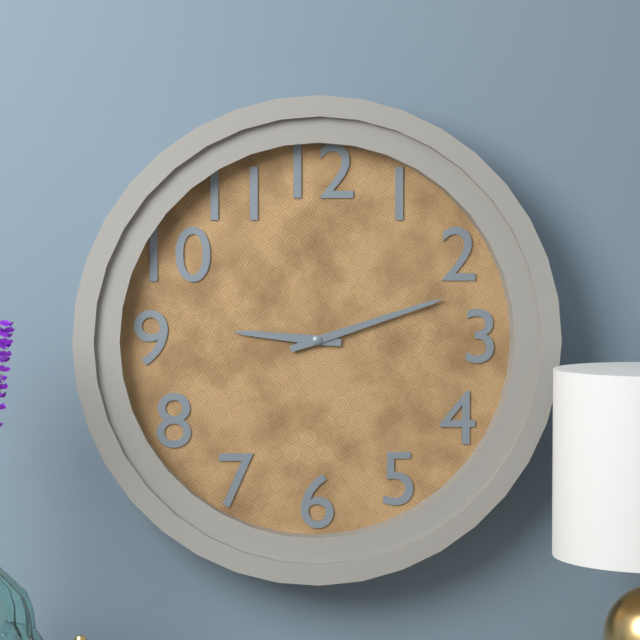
9:12
